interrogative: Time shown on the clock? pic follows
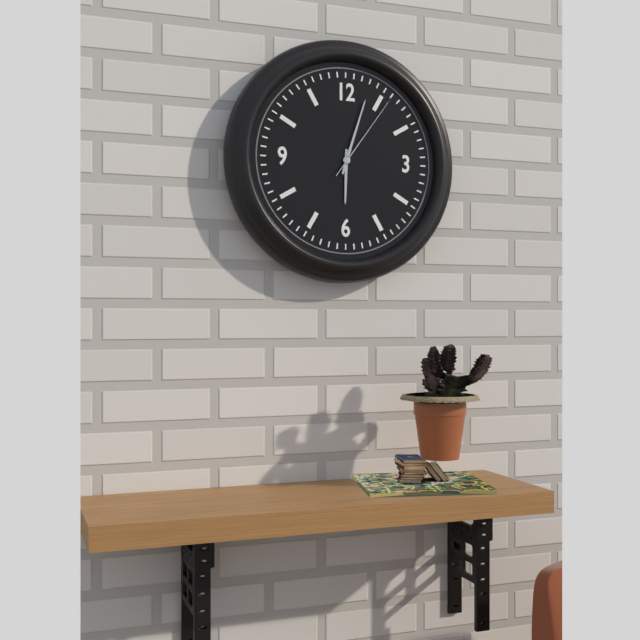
6:03:06
